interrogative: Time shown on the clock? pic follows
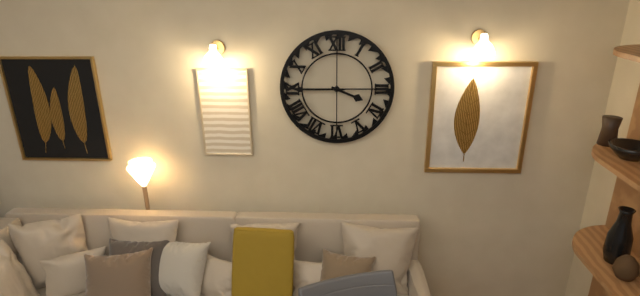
3:45
